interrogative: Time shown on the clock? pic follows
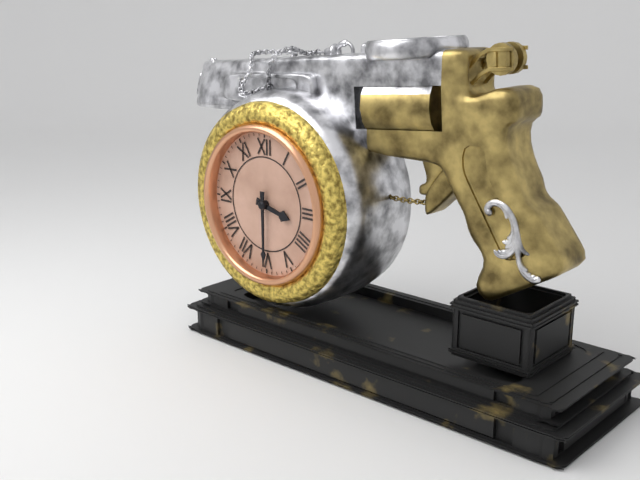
3:30
